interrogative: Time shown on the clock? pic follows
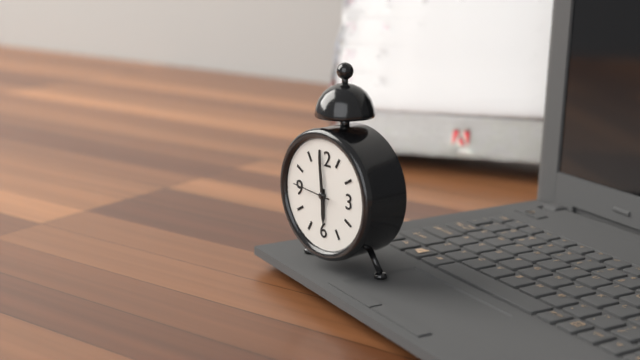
5:59
